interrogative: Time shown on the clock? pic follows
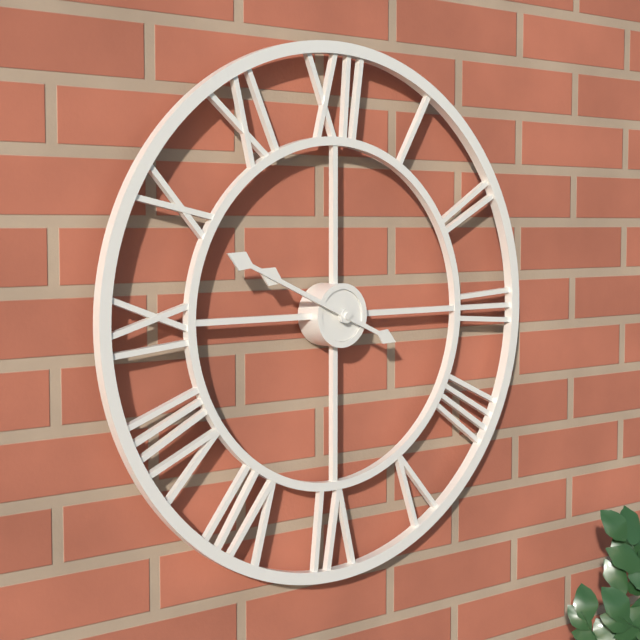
9:49
